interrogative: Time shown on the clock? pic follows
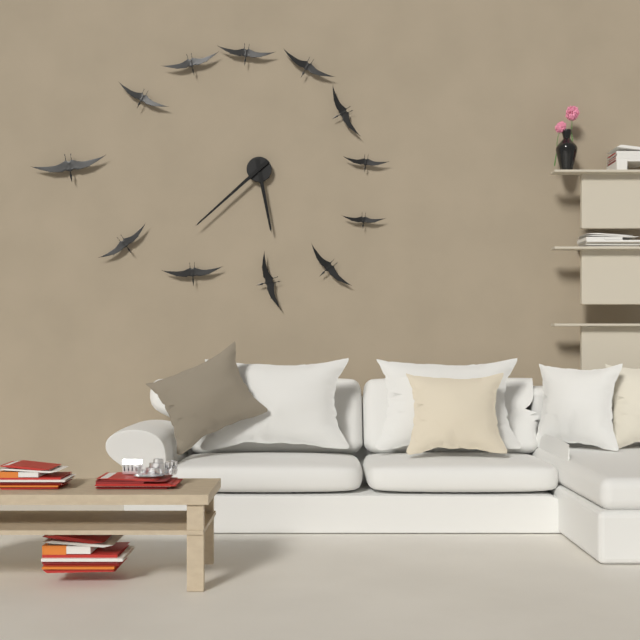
5:38
